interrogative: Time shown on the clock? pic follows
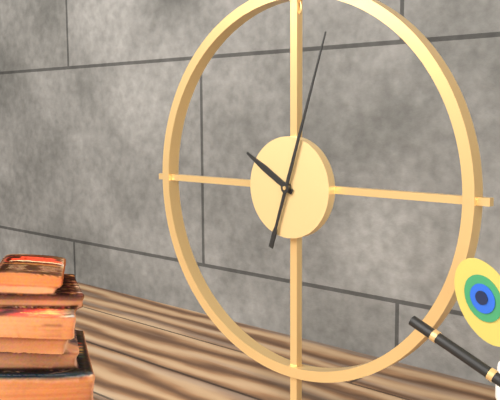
10:03
